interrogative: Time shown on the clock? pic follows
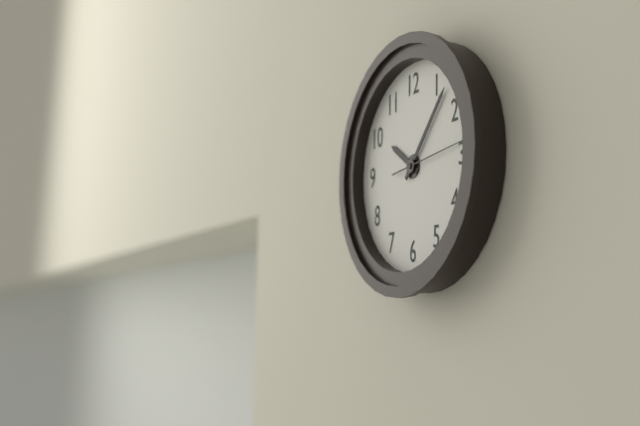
10:07:14
